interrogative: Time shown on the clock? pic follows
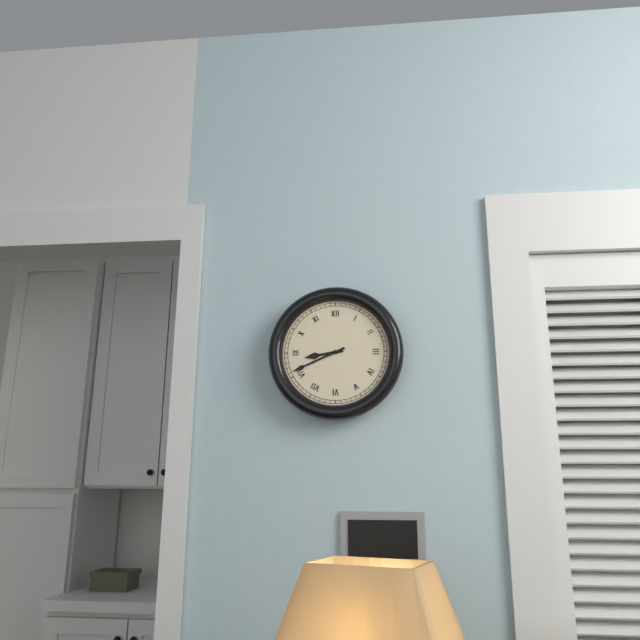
8:41
